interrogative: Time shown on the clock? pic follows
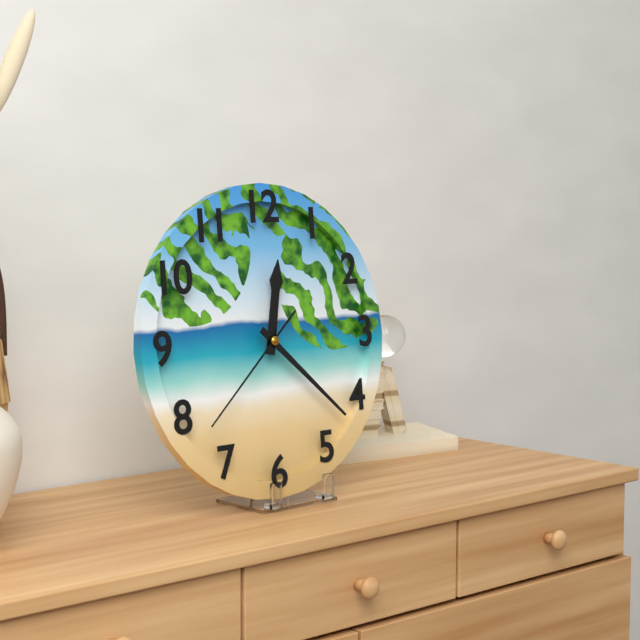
12:22:38
